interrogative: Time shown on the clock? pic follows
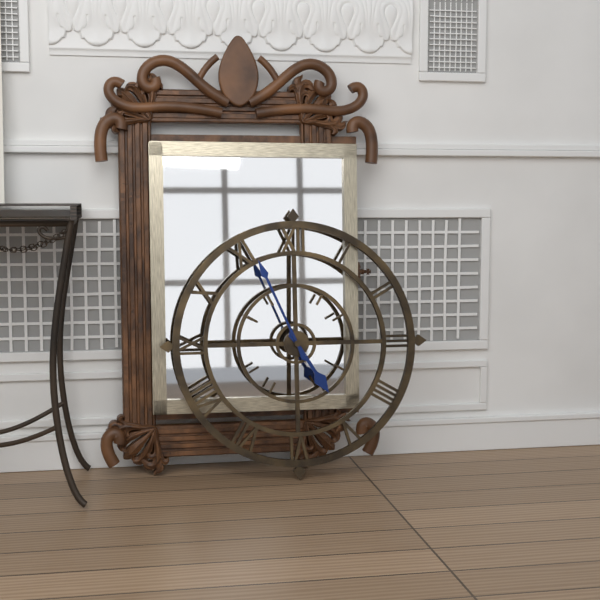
4:56
